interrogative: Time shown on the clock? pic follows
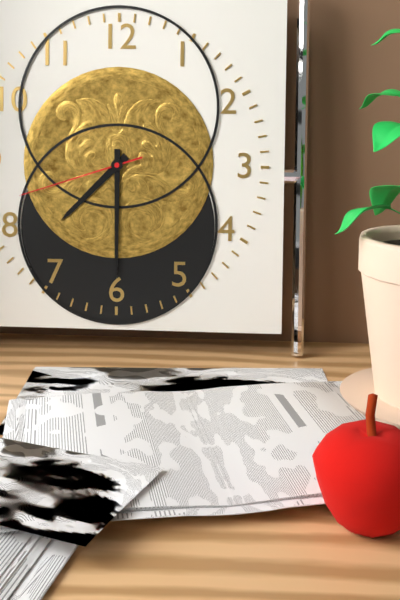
7:30:42
